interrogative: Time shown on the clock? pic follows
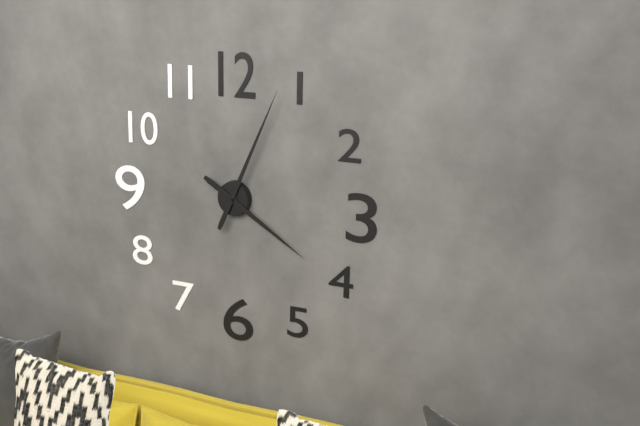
4:04
